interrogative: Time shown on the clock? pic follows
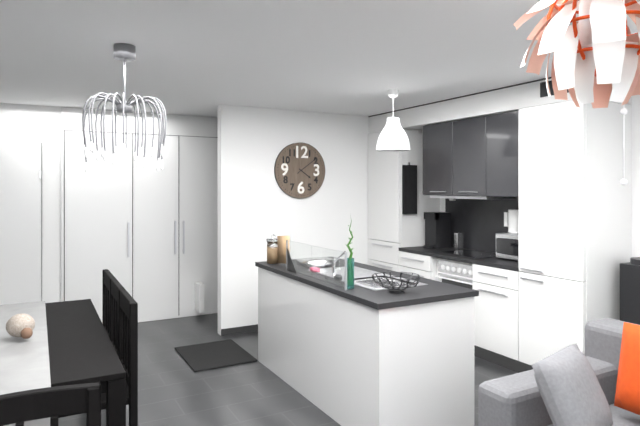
4:09
